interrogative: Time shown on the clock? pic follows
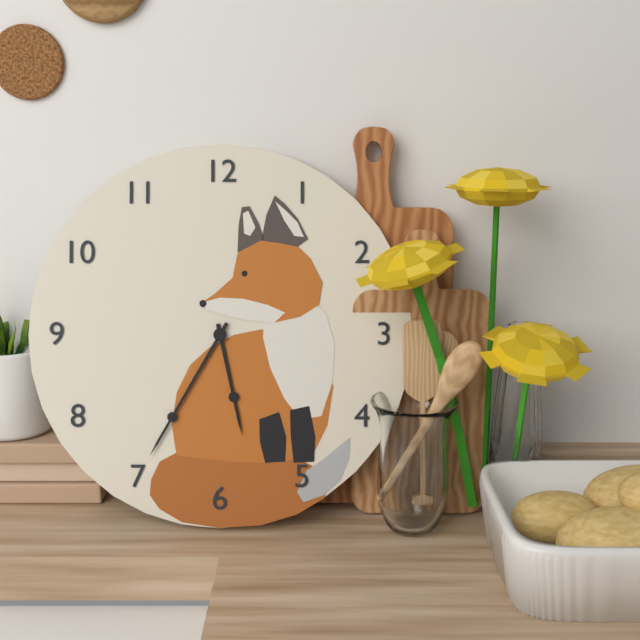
5:35
